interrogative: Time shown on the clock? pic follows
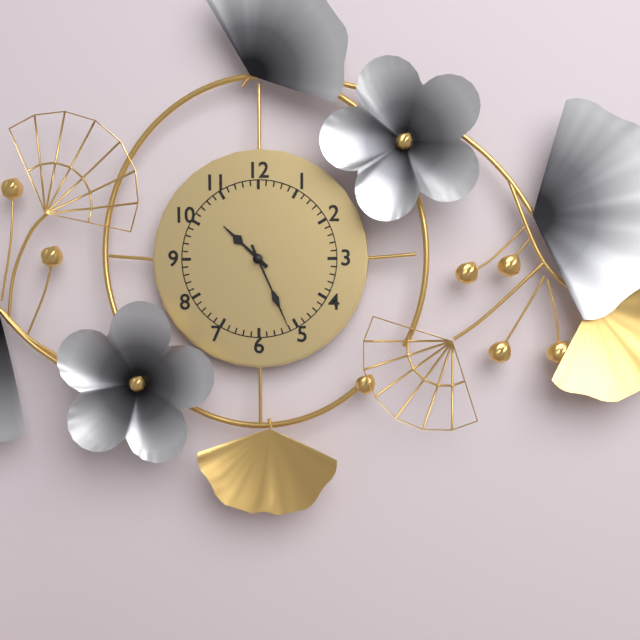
10:26
